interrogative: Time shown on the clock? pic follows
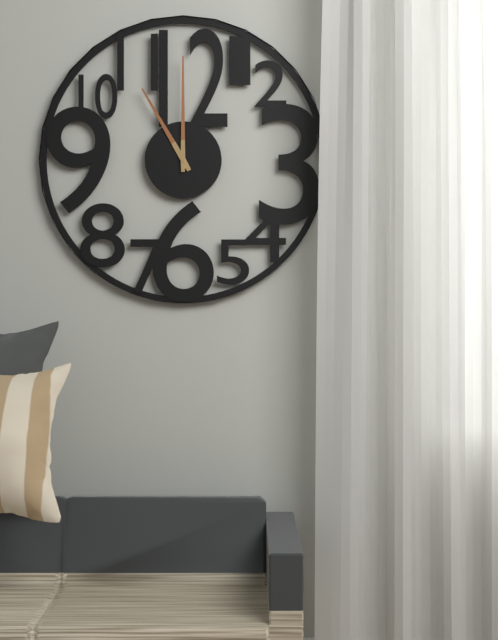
11:00
